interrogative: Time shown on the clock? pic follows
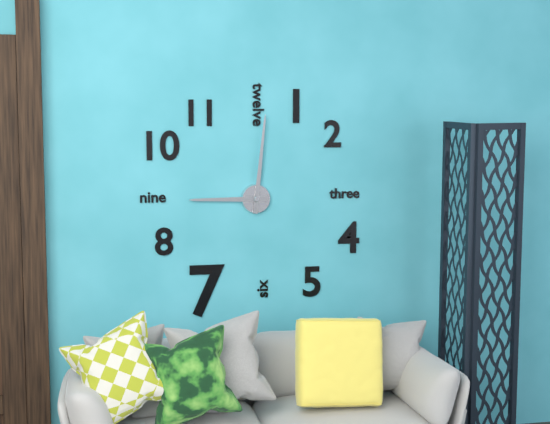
9:01
